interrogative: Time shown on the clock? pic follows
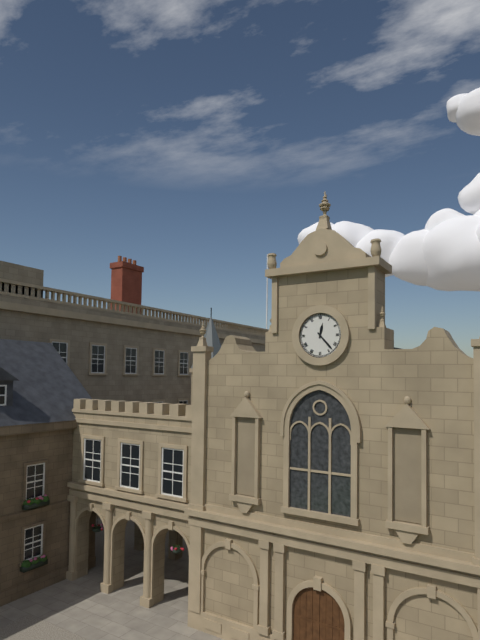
12:23
